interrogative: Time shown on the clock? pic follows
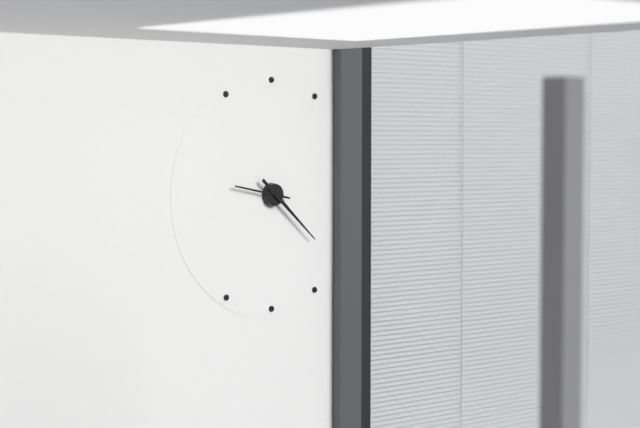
9:22
